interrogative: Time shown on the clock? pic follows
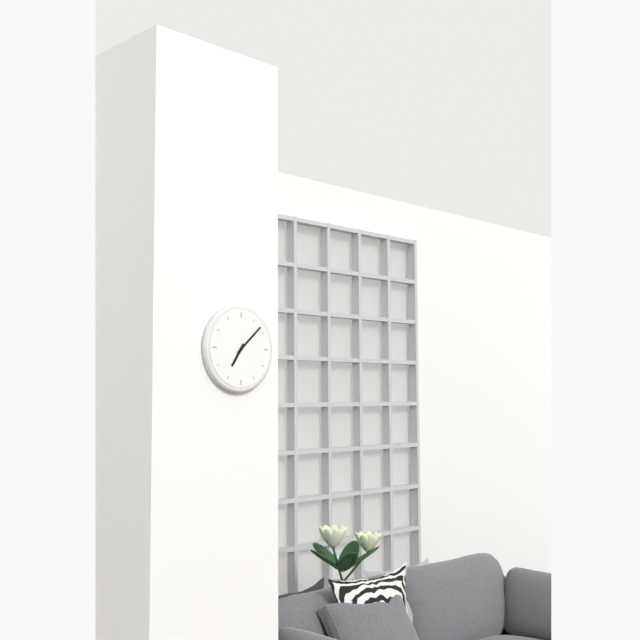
7:08
